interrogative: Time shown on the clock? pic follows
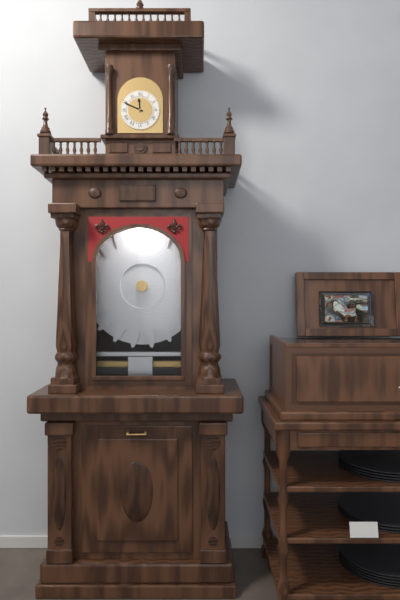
11:49
